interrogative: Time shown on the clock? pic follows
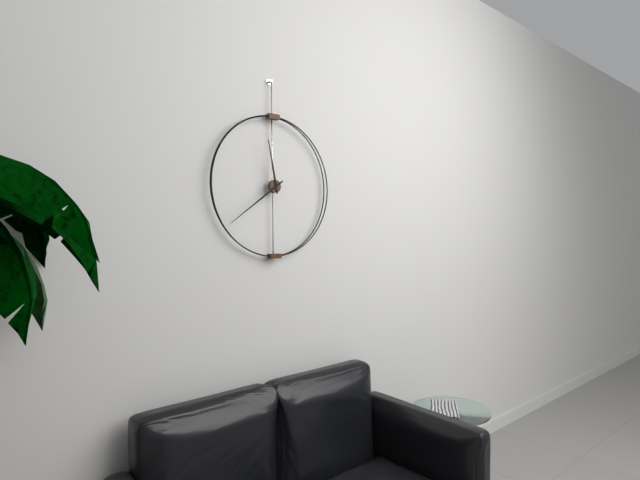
11:39
